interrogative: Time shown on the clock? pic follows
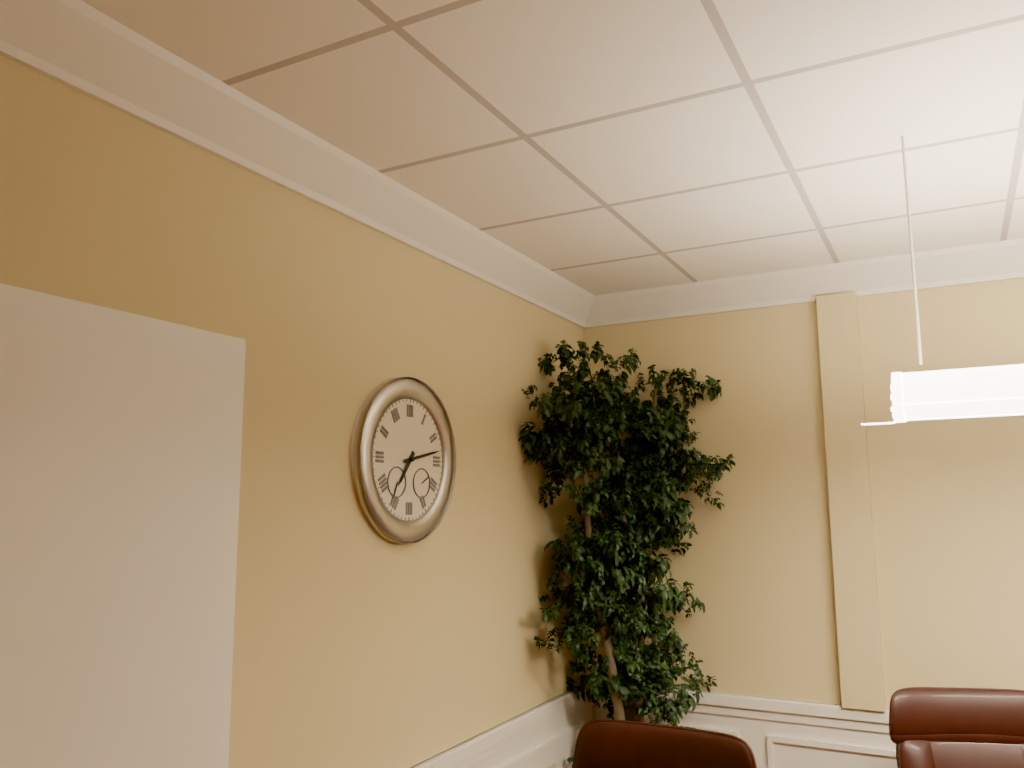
7:13
